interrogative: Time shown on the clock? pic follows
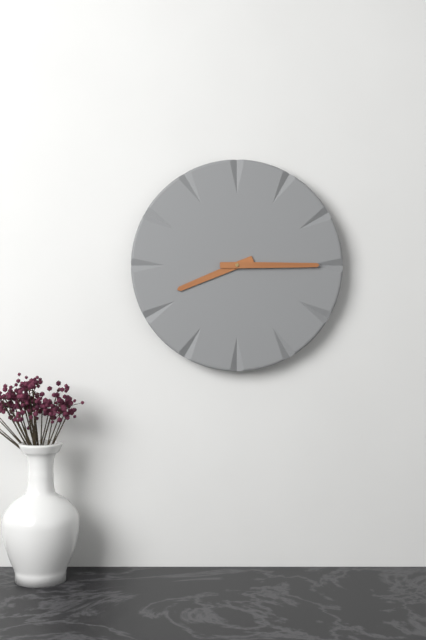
8:15
